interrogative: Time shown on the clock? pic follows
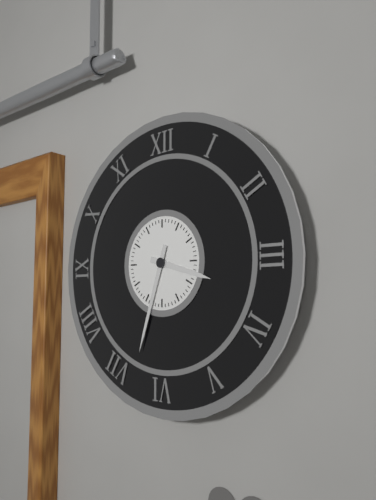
3:33
